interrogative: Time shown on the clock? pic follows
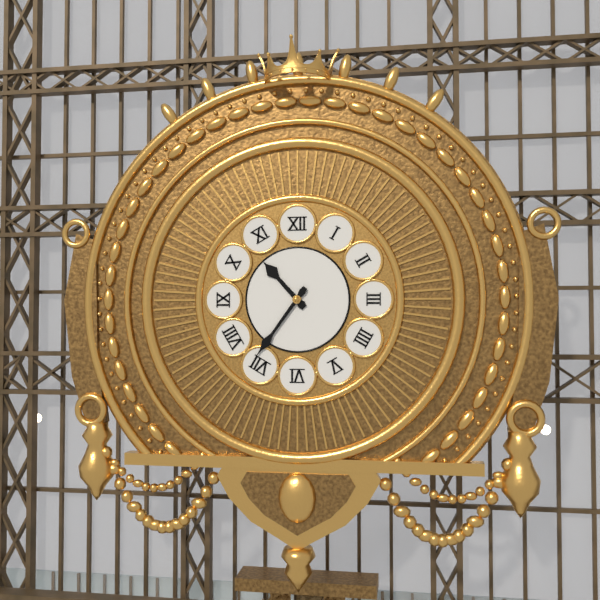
10:36
